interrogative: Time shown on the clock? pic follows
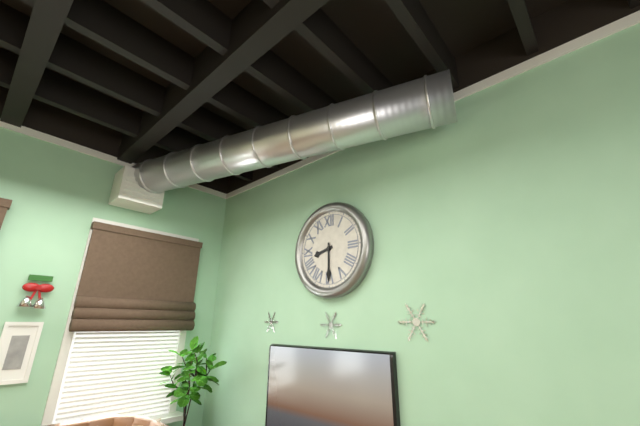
8:30
